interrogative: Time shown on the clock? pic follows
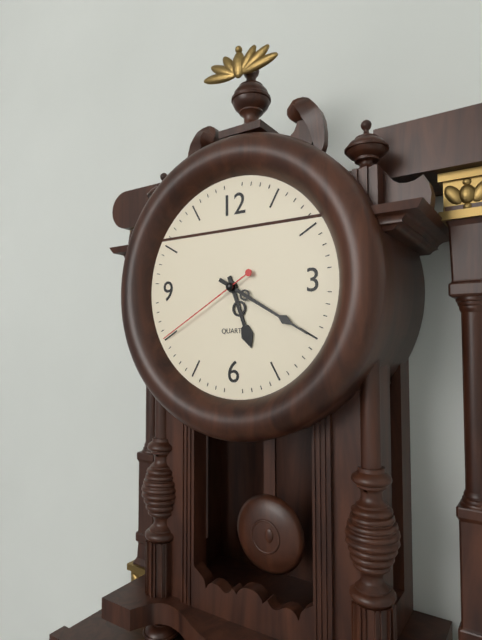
5:20:40
